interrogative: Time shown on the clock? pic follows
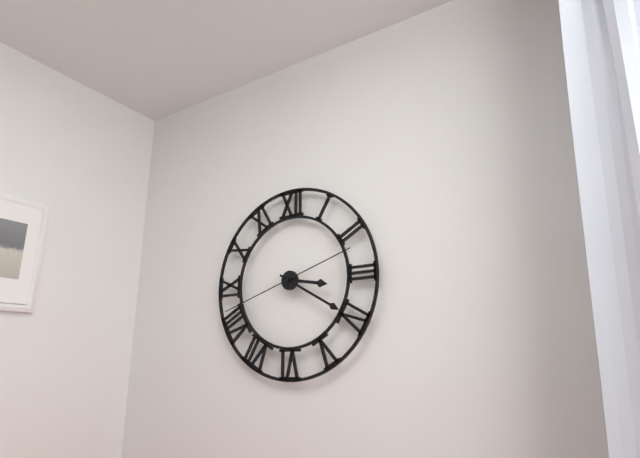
3:20:42
